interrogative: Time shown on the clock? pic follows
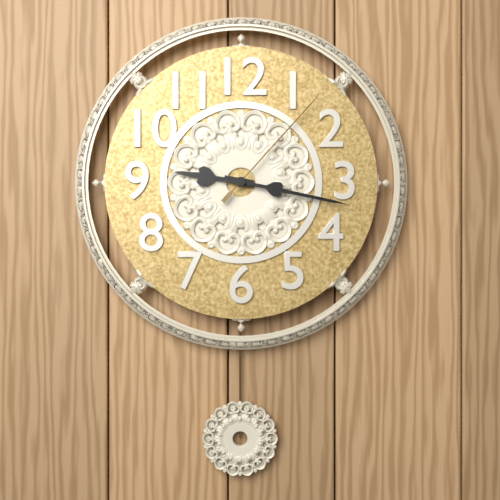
9:17:07
